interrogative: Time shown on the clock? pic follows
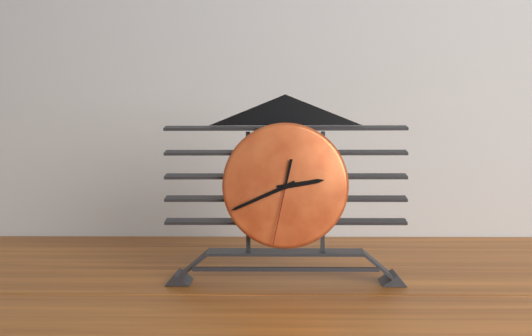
2:41:32
